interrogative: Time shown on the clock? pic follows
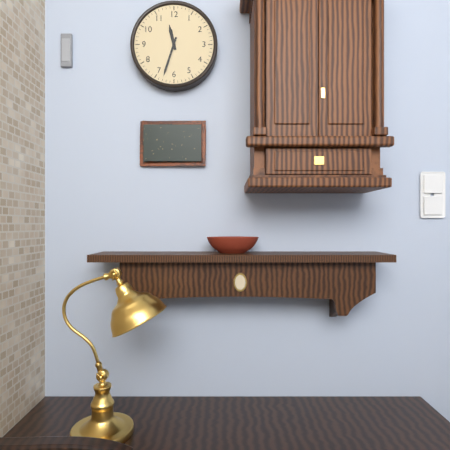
11:33
